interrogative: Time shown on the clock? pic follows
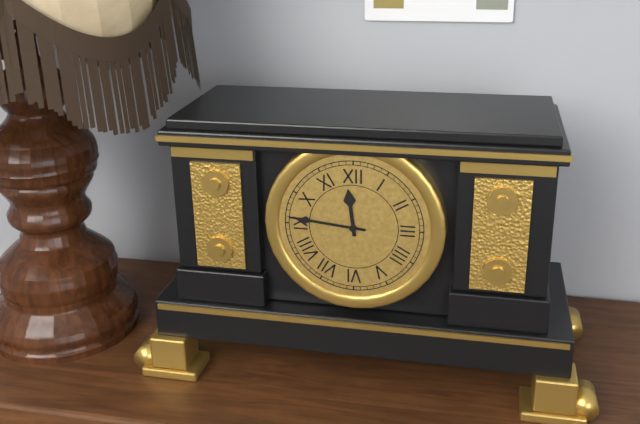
11:46
